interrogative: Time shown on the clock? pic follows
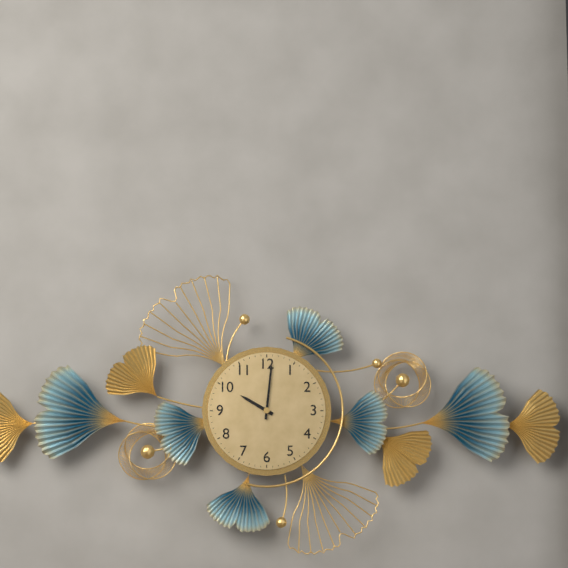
10:01
